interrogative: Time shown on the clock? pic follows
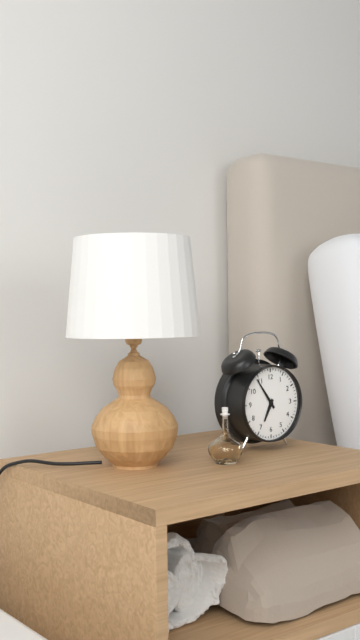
6:54
